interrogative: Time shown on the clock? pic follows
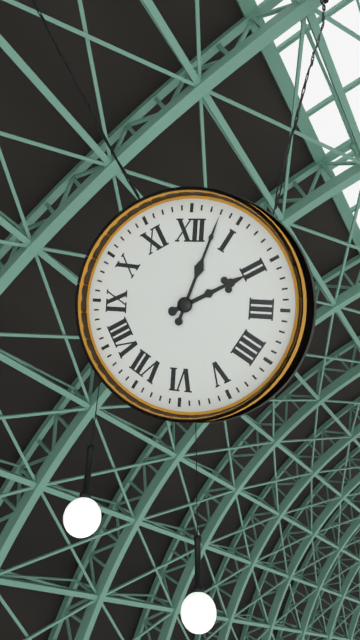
2:03
